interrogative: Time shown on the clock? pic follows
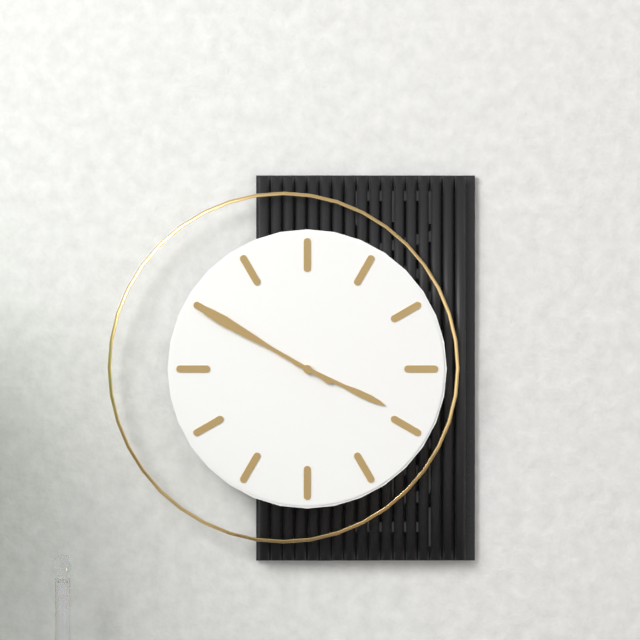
3:50
